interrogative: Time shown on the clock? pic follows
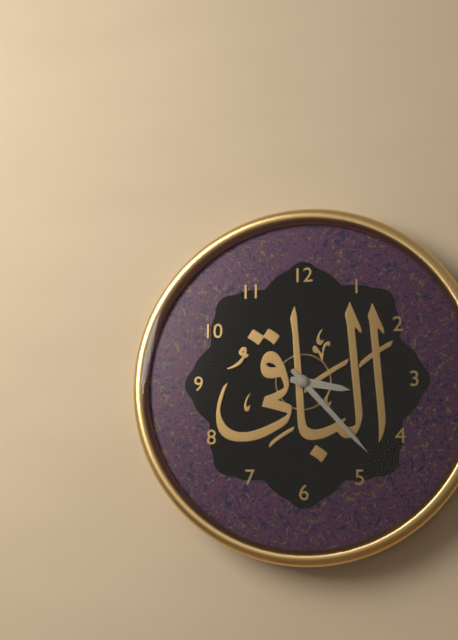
3:23
